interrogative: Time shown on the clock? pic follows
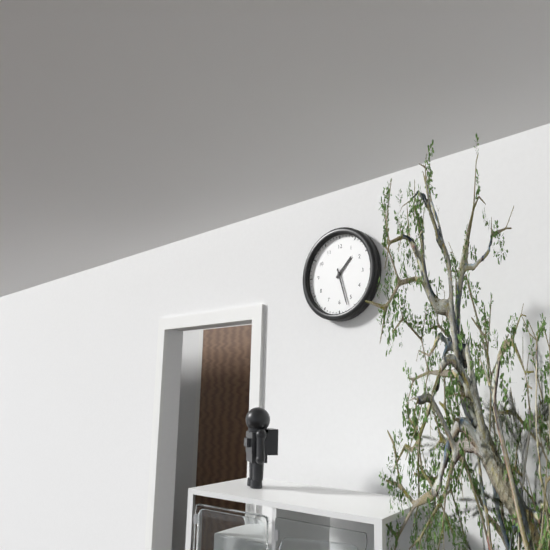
1:27
